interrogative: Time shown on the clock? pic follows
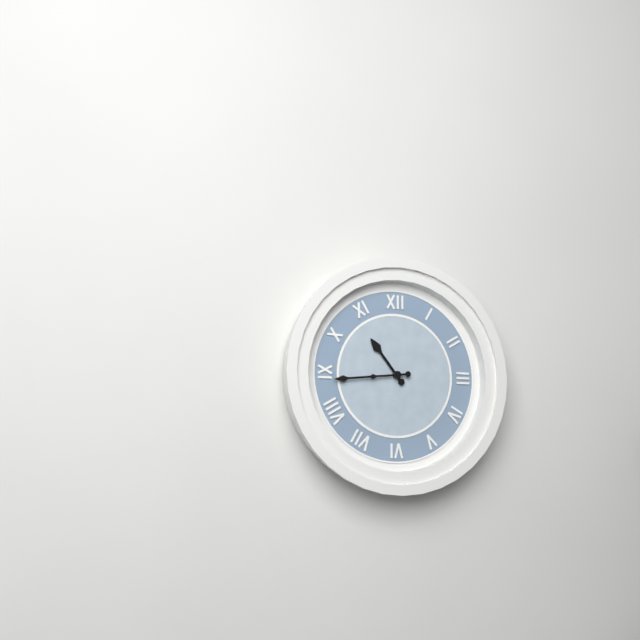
10:44
